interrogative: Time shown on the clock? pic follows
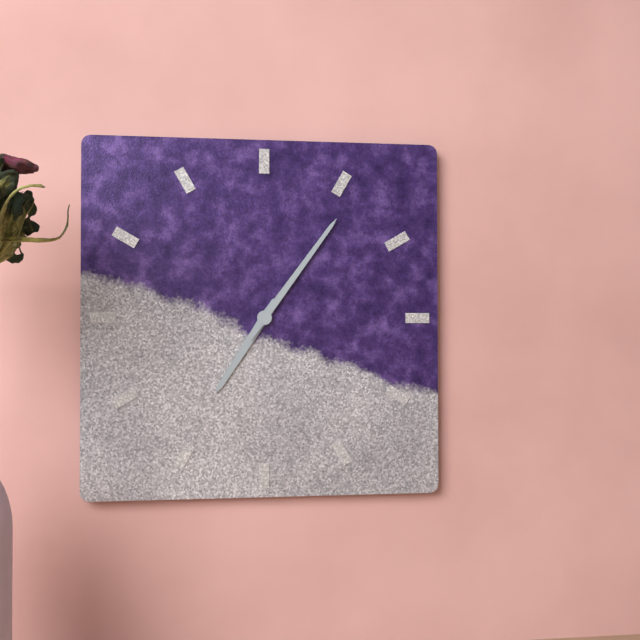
7:06
